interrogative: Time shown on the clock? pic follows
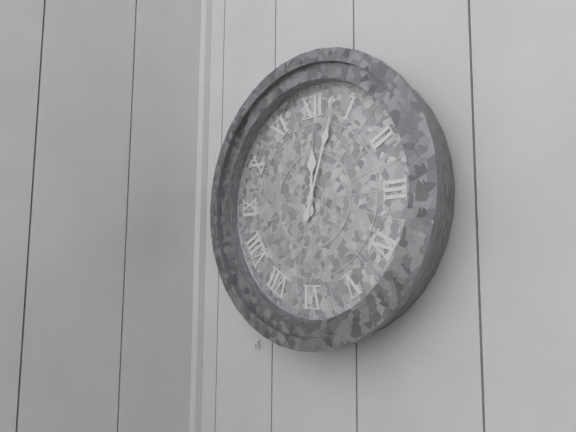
12:03
